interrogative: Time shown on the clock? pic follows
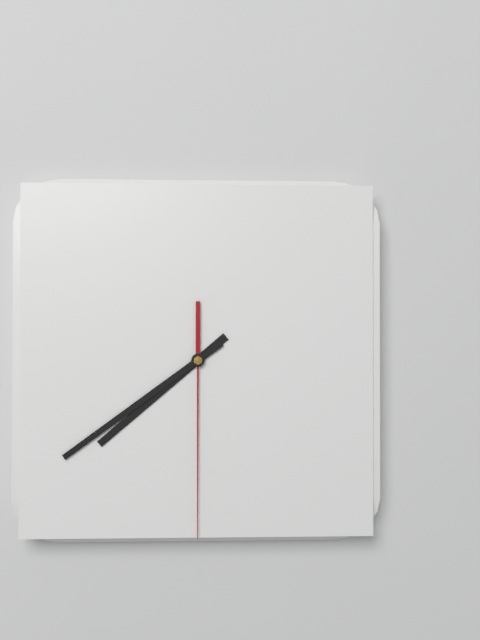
7:39:30
